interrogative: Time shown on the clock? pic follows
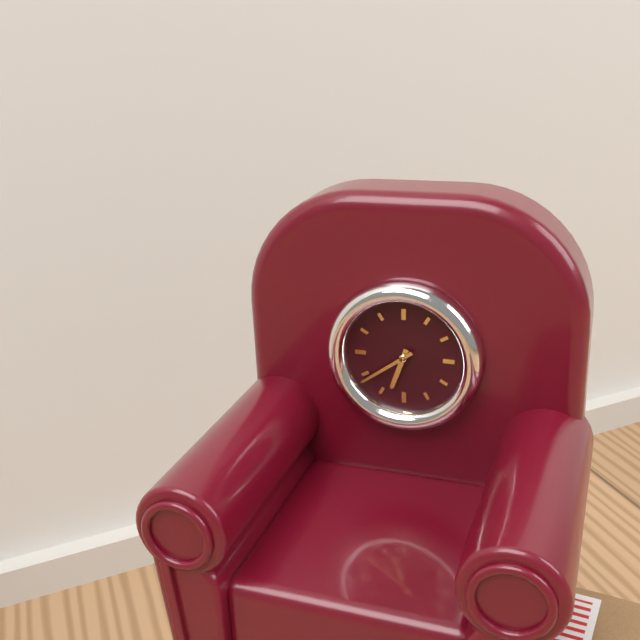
6:39
